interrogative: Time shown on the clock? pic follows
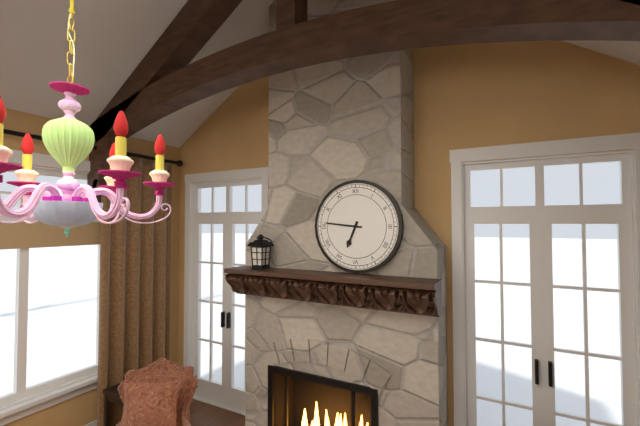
6:46
